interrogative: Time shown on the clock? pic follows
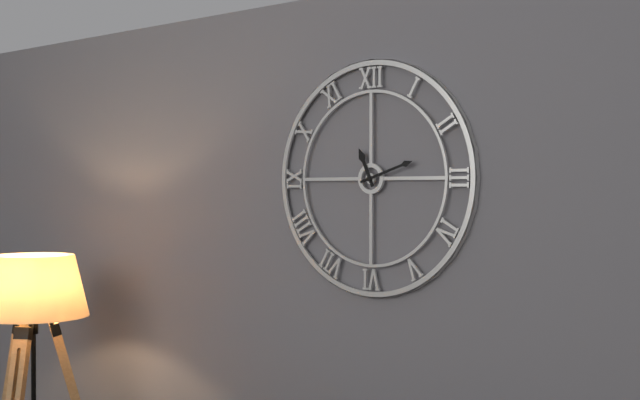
11:12
